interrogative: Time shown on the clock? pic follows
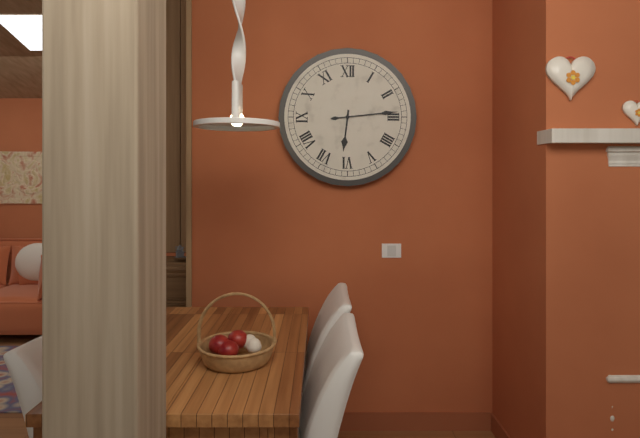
6:14
